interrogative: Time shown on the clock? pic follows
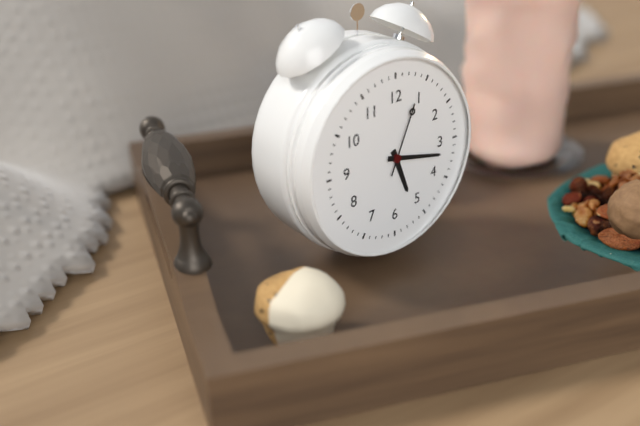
5:17:04
